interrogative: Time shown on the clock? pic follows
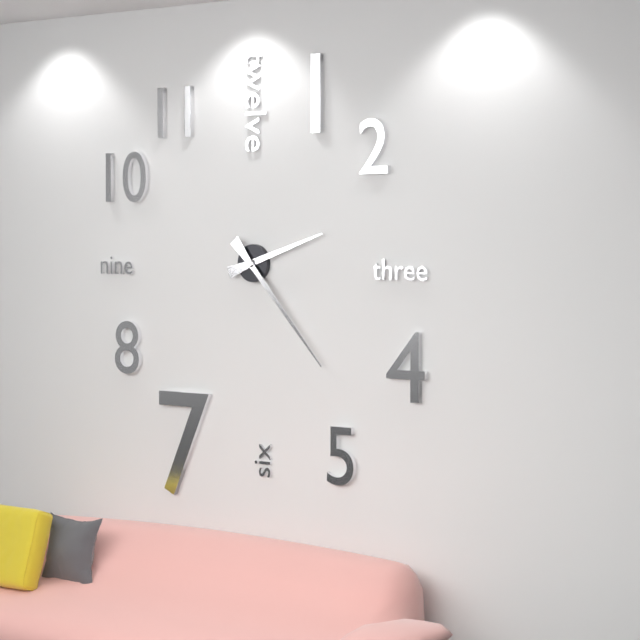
2:23
